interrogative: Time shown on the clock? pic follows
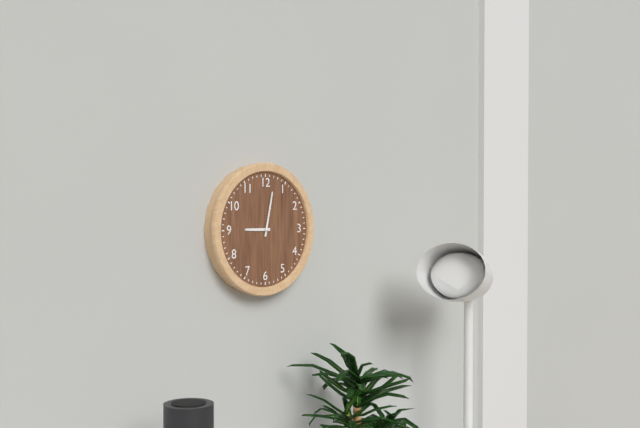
9:02
